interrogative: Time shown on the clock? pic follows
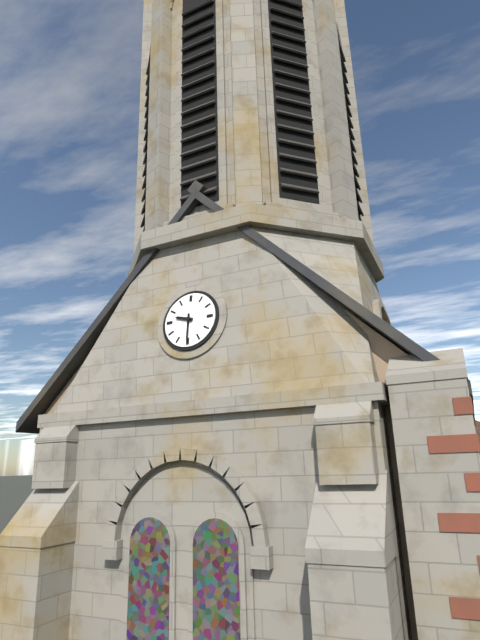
9:30
